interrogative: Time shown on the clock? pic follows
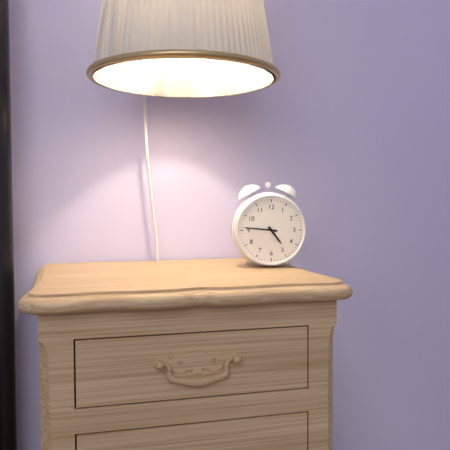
4:46
